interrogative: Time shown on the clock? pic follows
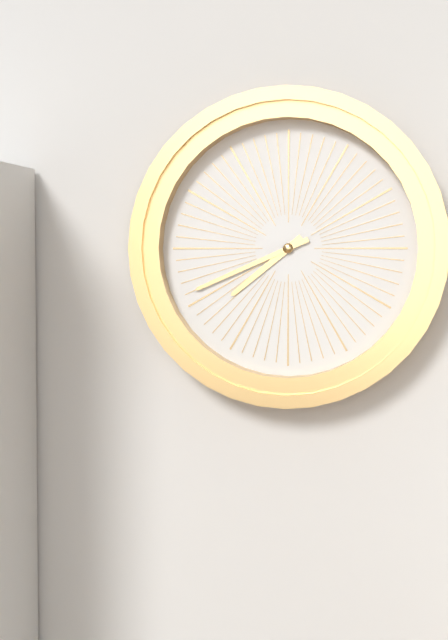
7:41
